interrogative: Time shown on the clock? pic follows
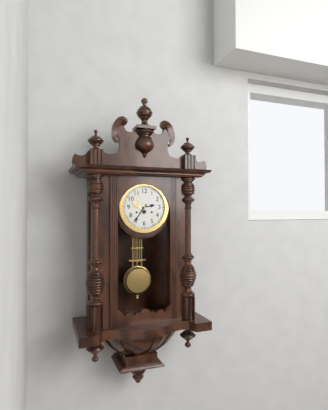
2:36
